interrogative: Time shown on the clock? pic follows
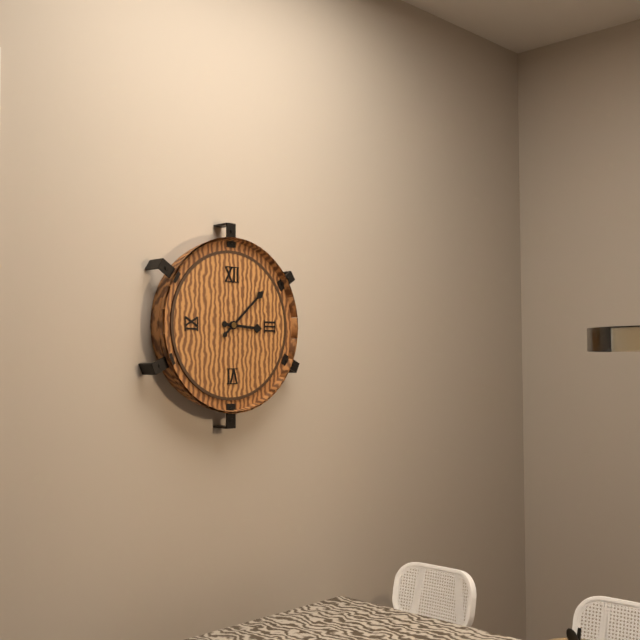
3:08
